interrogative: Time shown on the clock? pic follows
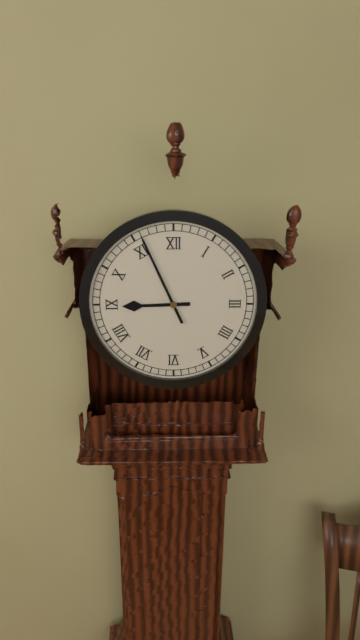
8:56
